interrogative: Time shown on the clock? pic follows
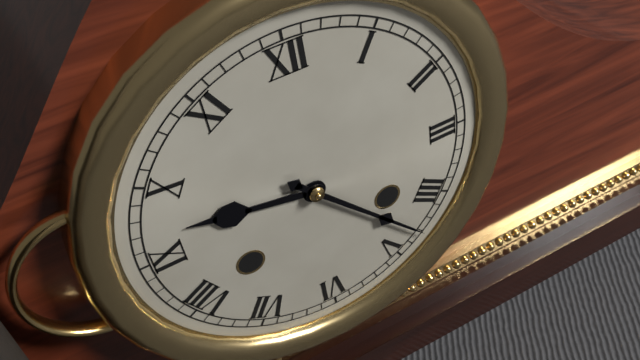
9:23
